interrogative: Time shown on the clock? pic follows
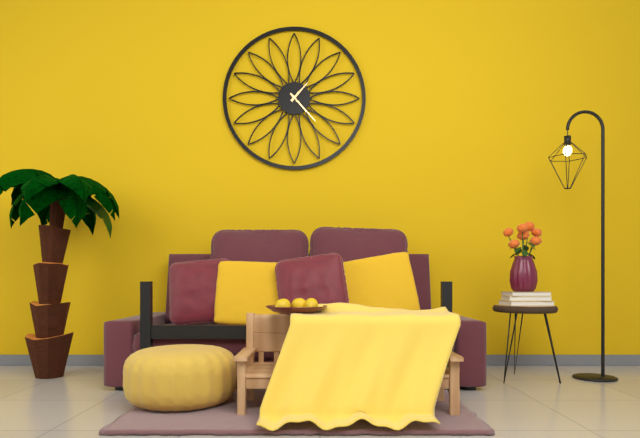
1:23
